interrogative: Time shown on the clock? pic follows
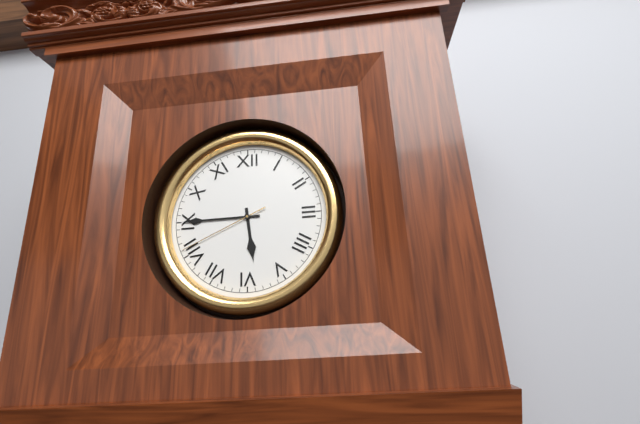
5:45:41
